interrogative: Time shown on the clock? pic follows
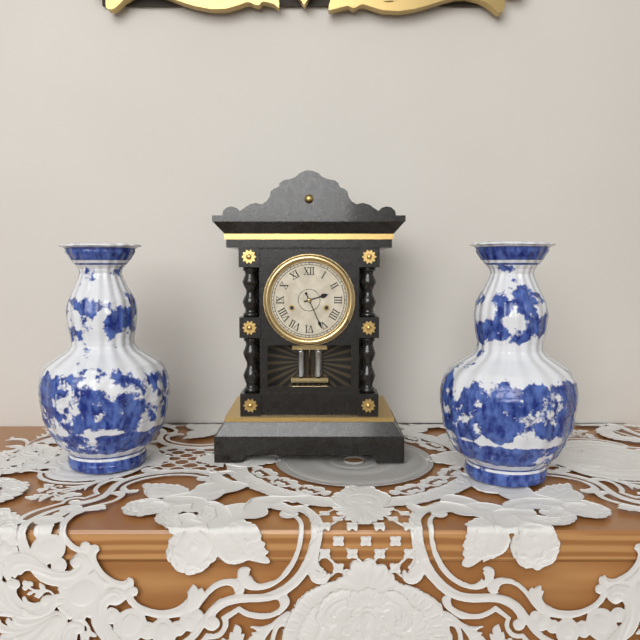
2:26
